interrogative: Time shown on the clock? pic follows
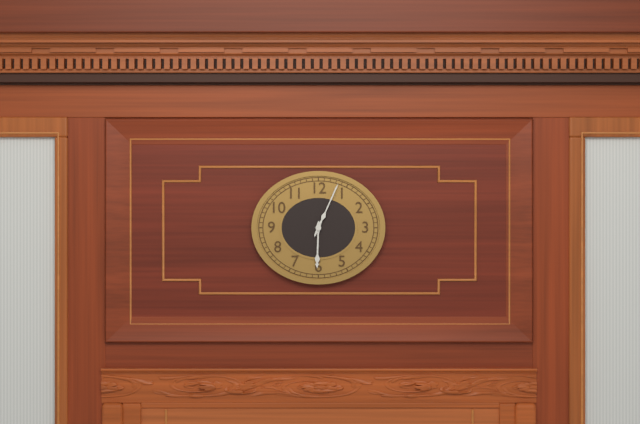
6:04
